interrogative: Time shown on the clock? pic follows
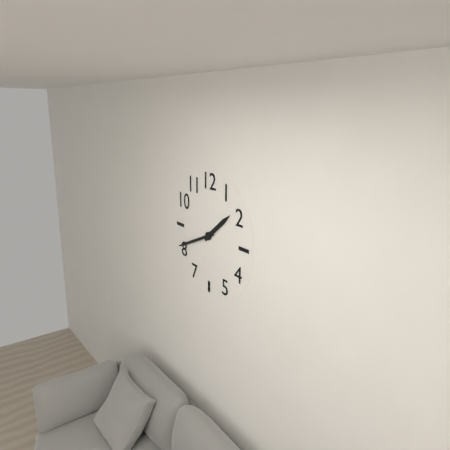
1:41
